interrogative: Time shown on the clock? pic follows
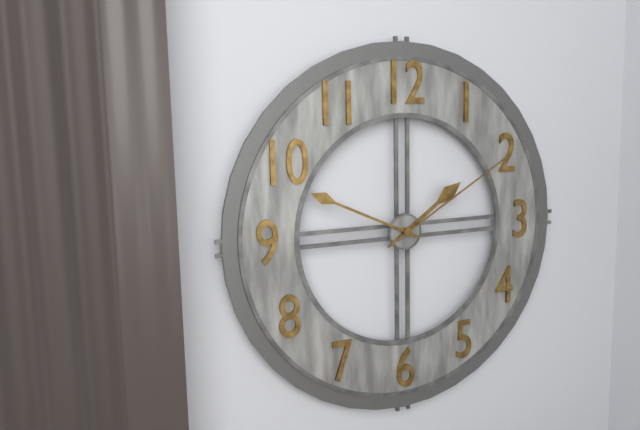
1:49:10
